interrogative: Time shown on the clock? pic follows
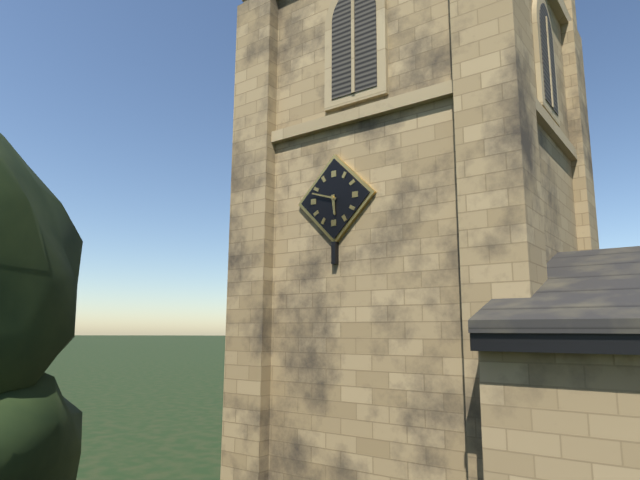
5:48
